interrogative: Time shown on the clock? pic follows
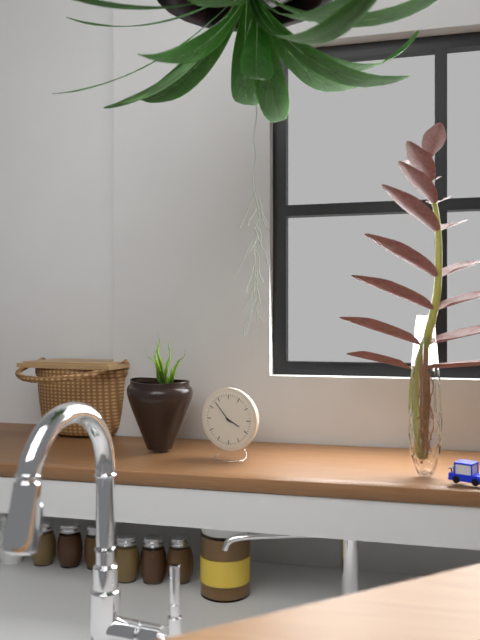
3:53
